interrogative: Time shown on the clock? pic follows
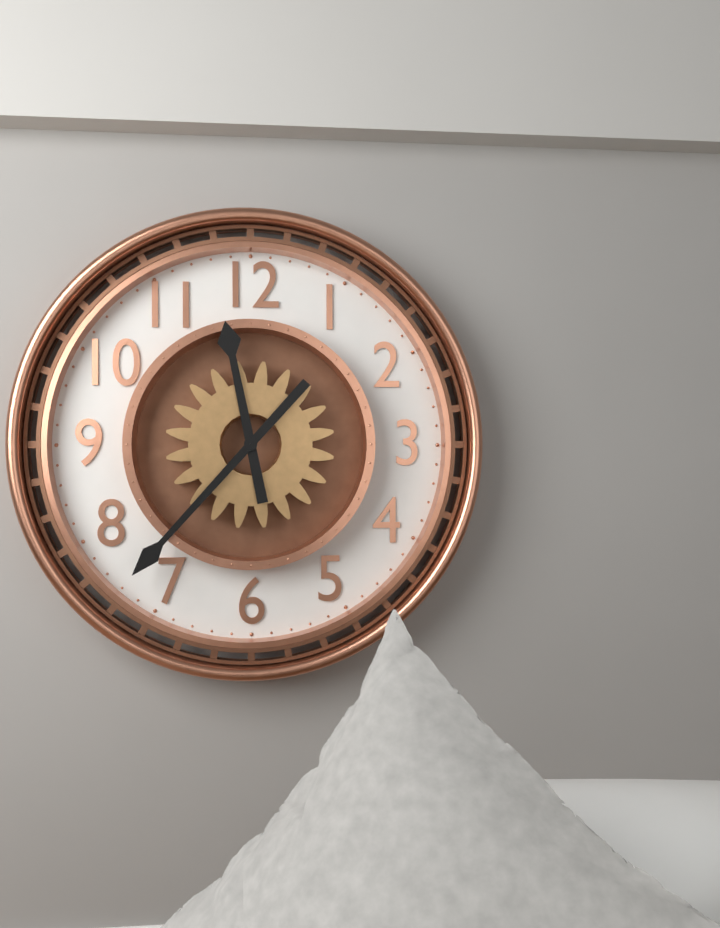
11:37
